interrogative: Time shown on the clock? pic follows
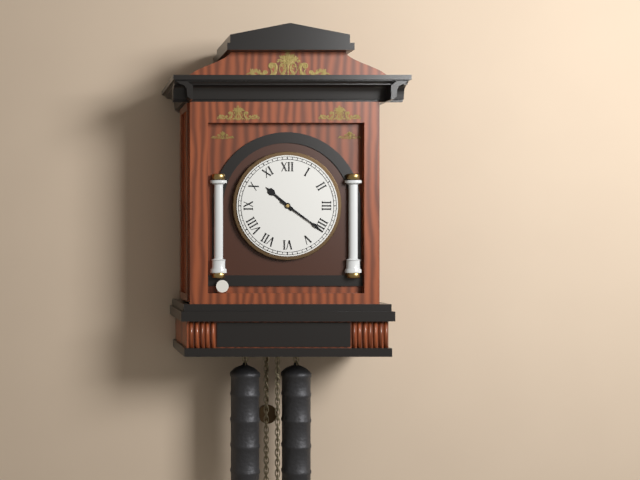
10:21
